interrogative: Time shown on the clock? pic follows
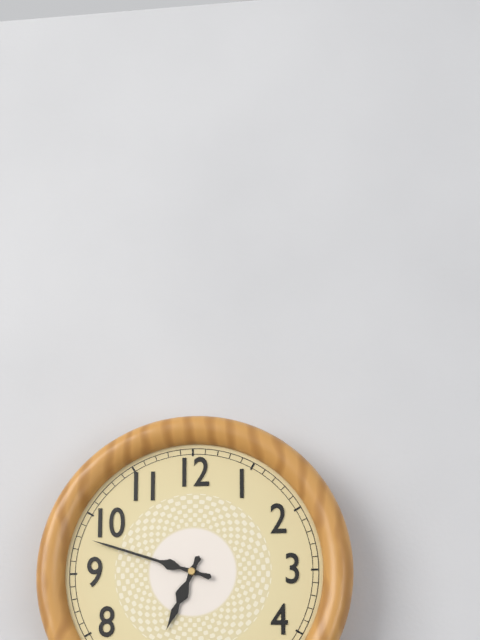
6:48
